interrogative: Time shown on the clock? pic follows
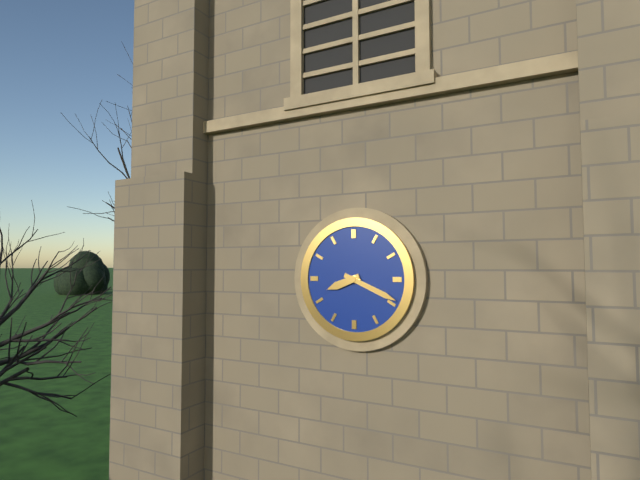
8:19
